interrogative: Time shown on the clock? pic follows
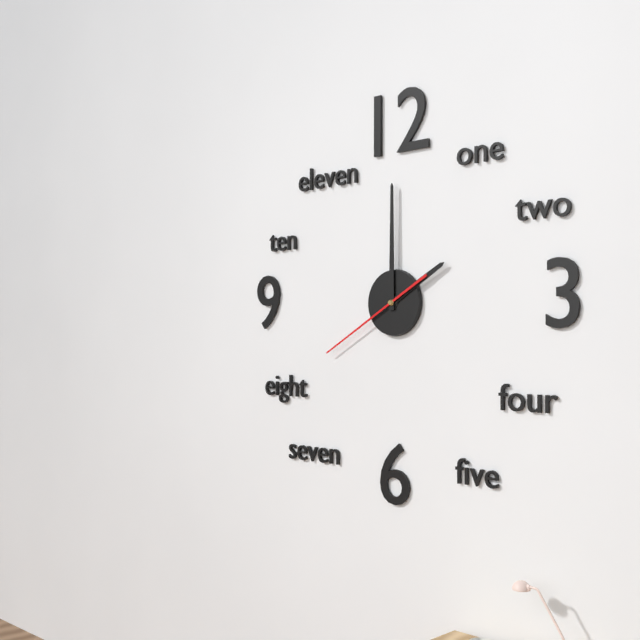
2:00:40
